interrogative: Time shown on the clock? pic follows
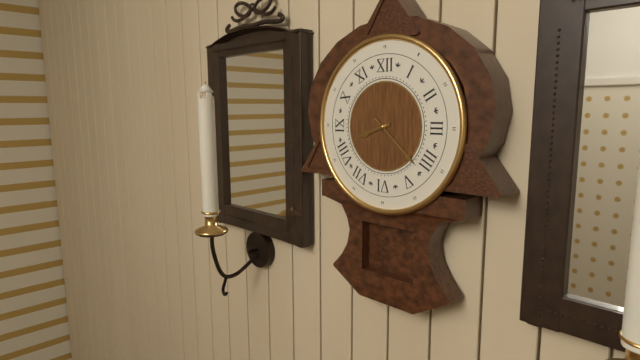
8:22
